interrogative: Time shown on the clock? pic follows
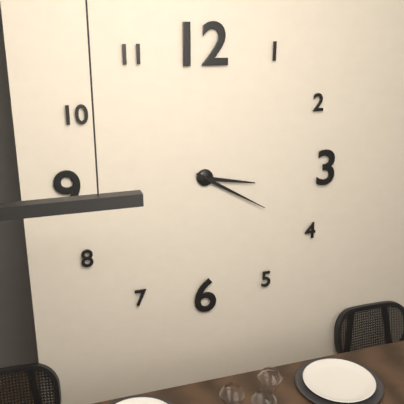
3:20
